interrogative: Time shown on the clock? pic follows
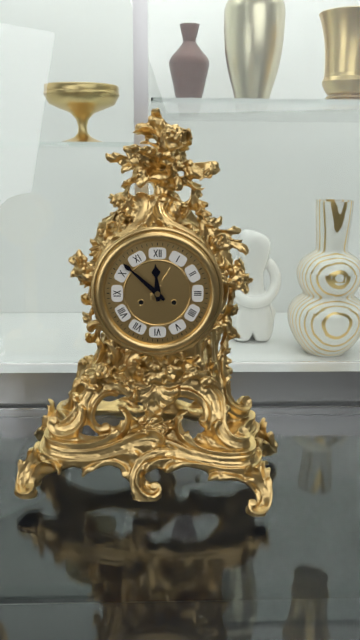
11:52
